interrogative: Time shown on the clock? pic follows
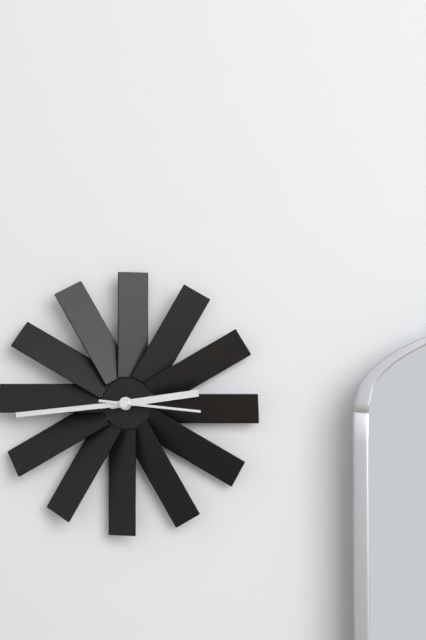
2:44:16
